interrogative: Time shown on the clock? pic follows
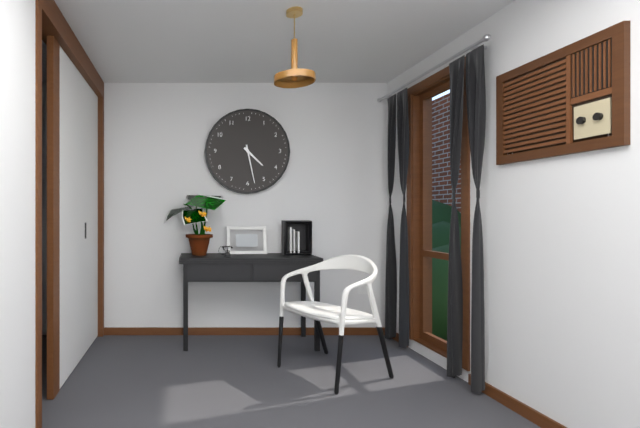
4:28
